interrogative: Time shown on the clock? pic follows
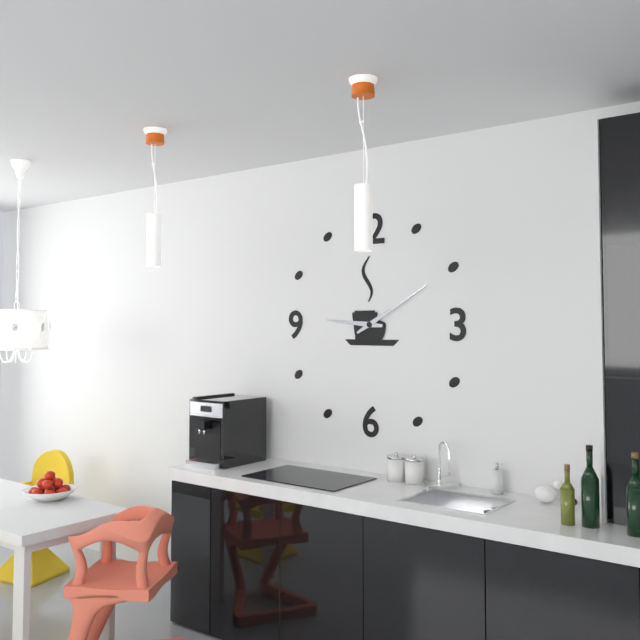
9:10
